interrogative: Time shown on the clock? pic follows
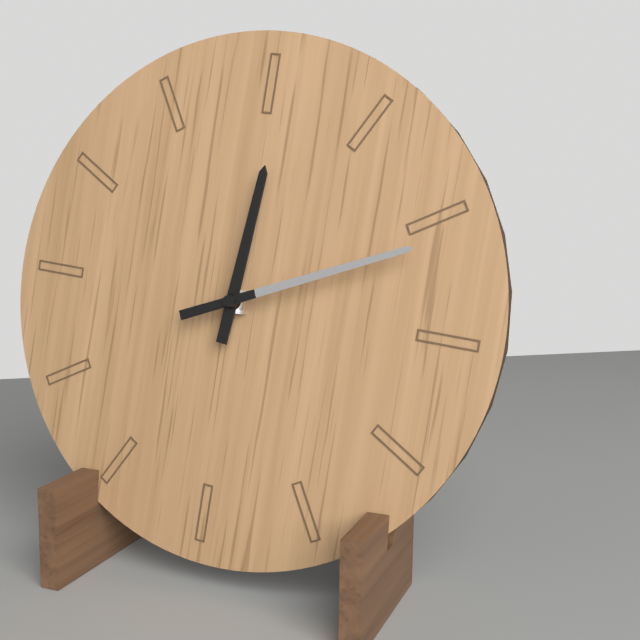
12:11
